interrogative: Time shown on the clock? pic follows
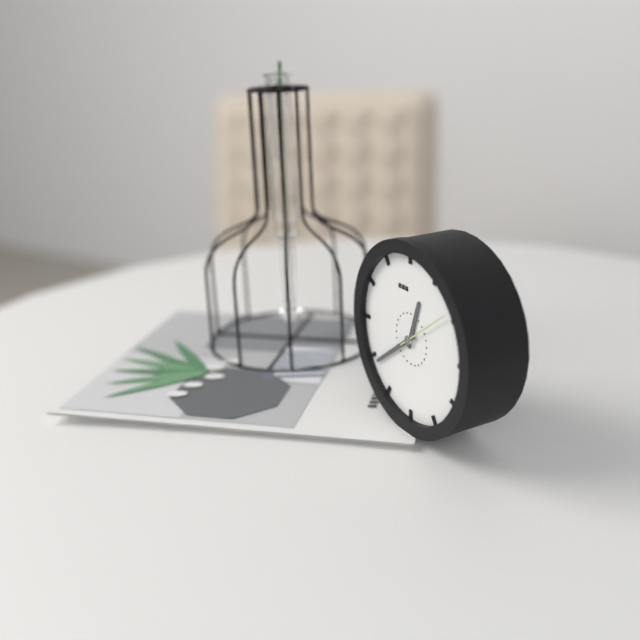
12:39:09
